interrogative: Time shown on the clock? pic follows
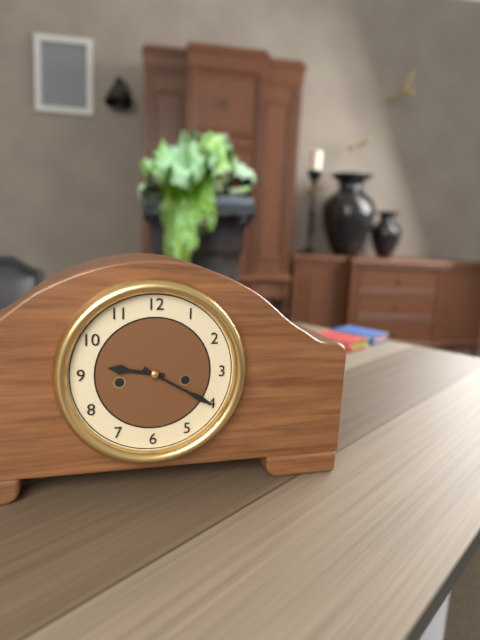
9:20
